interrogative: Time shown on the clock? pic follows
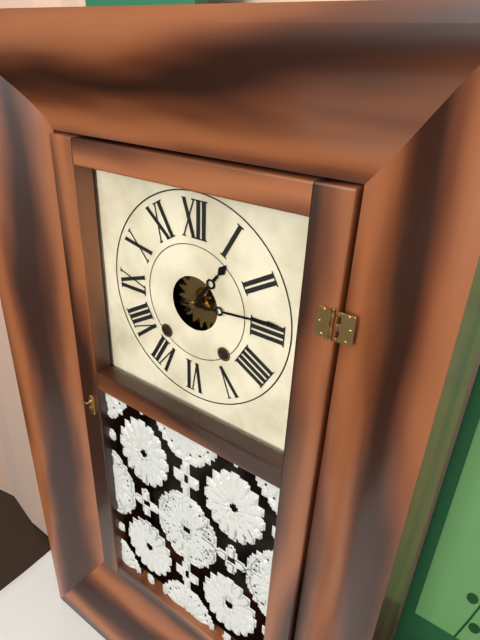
1:14
